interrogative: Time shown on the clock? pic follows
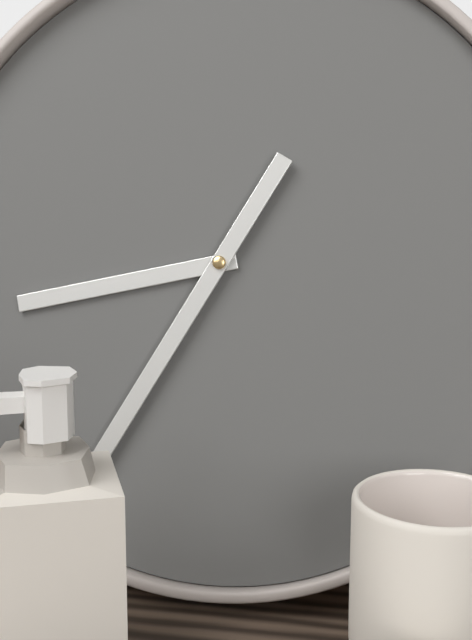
8:35
